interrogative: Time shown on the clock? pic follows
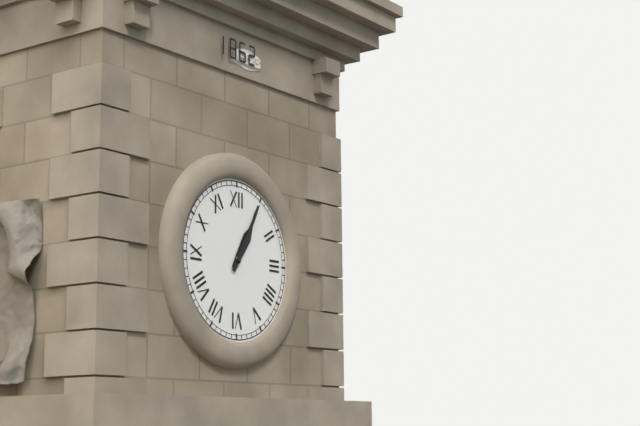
1:05
